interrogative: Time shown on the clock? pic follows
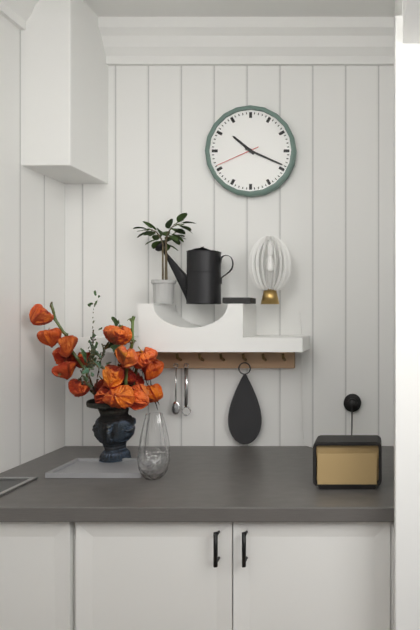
10:19
